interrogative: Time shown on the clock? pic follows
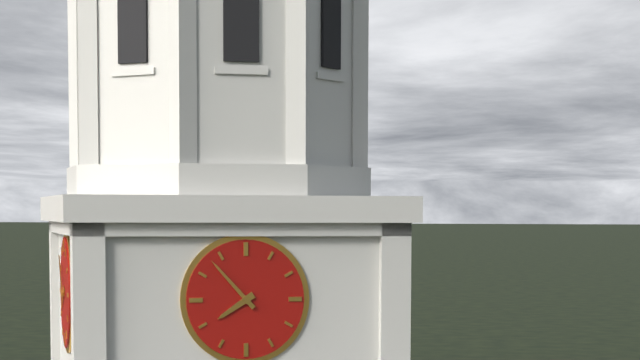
7:53
